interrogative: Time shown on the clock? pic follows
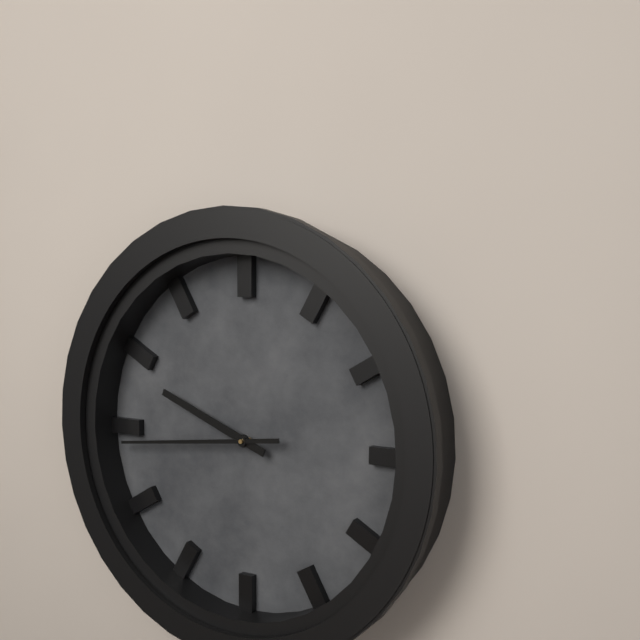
9:44
